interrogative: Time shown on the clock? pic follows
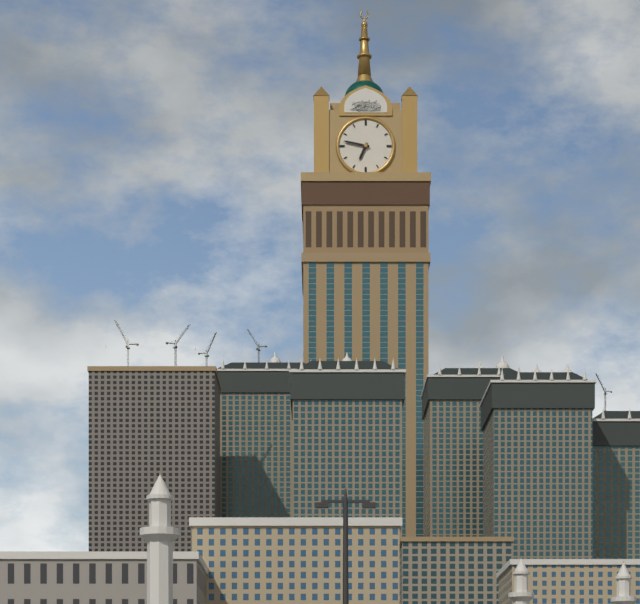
6:47
